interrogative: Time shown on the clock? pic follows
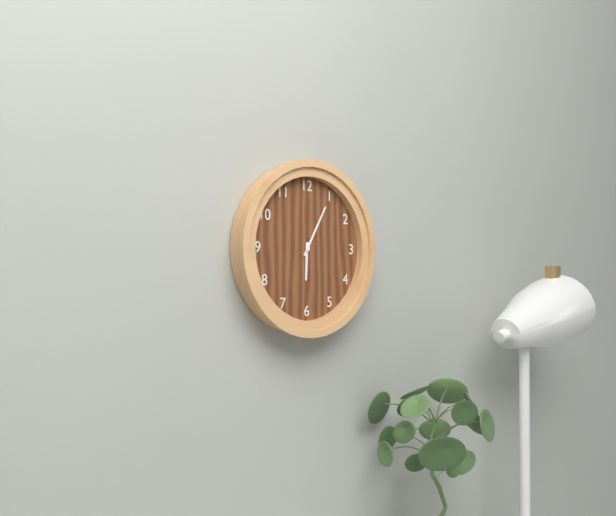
6:05
